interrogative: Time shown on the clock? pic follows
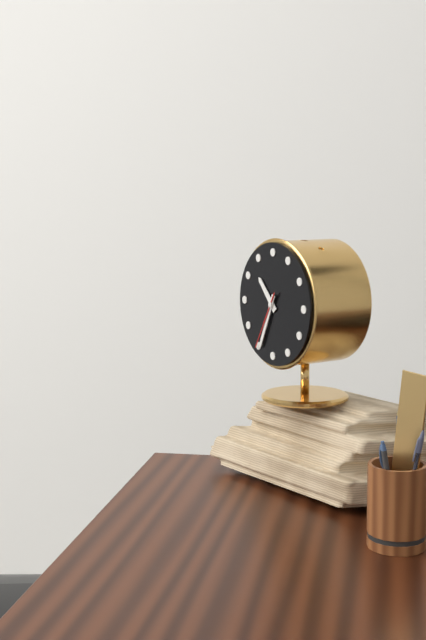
10:34:35
